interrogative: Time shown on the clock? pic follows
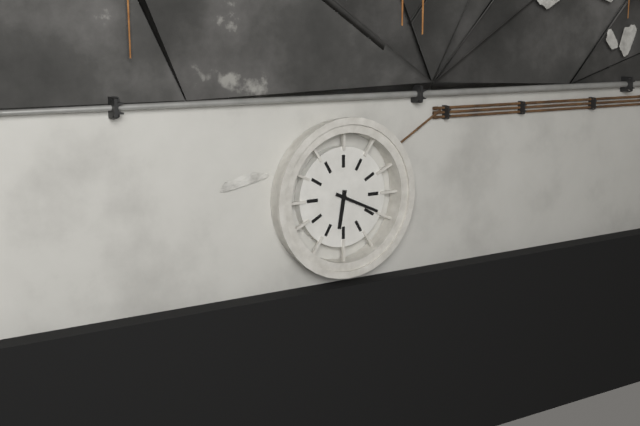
6:19
